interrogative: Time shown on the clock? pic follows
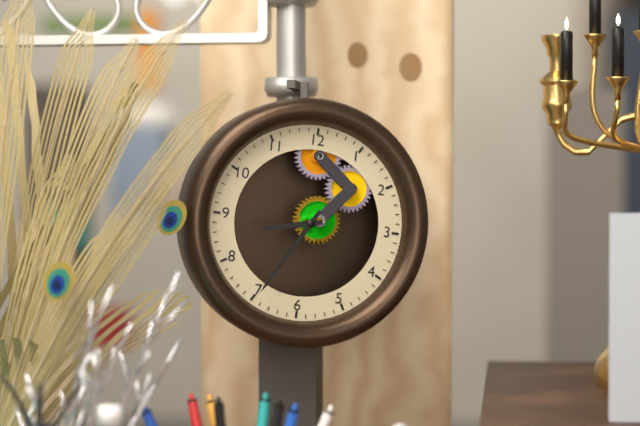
8:35
